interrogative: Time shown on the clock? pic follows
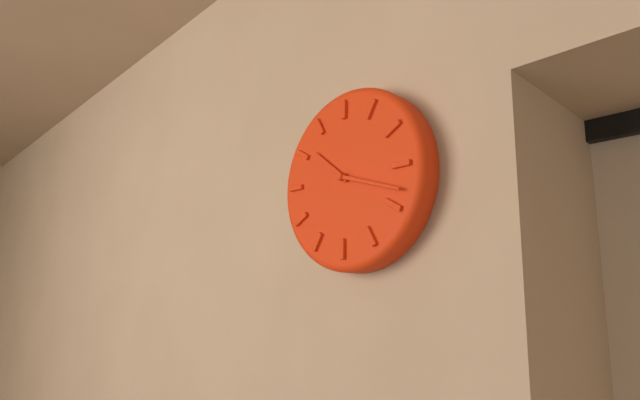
10:18
